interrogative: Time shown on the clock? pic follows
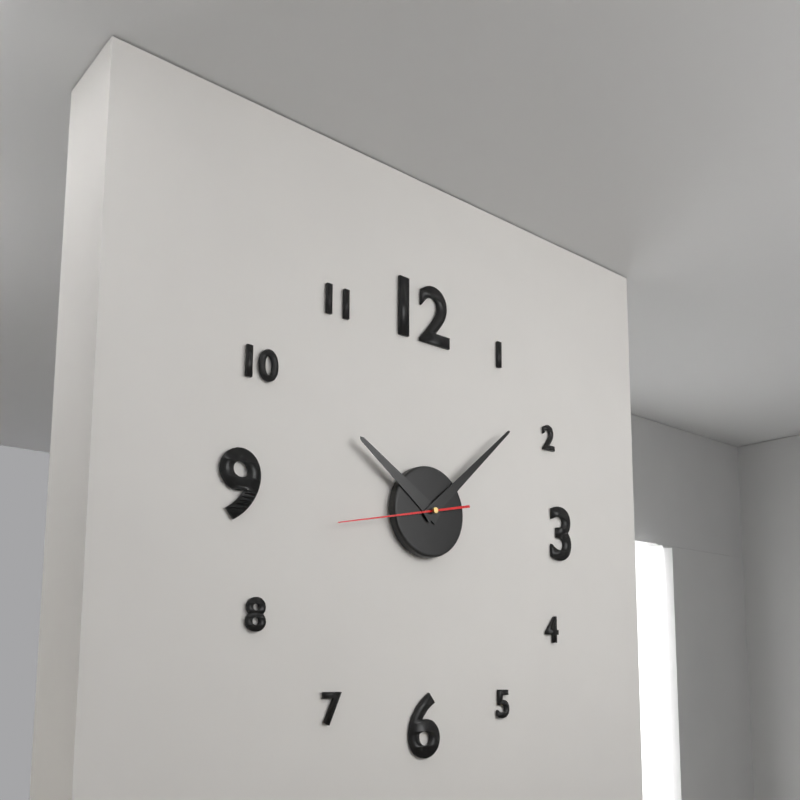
10:08:43
